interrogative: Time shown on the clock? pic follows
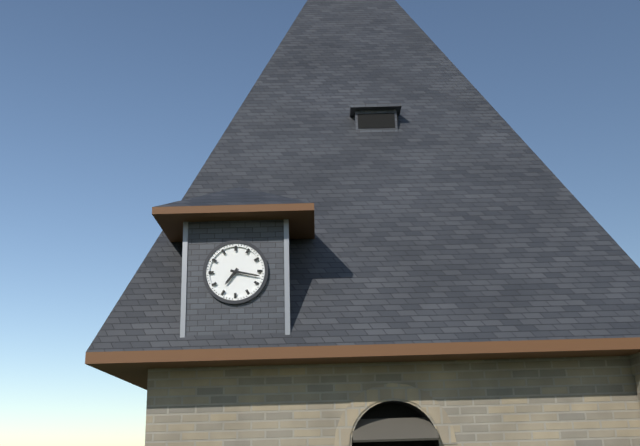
7:17
